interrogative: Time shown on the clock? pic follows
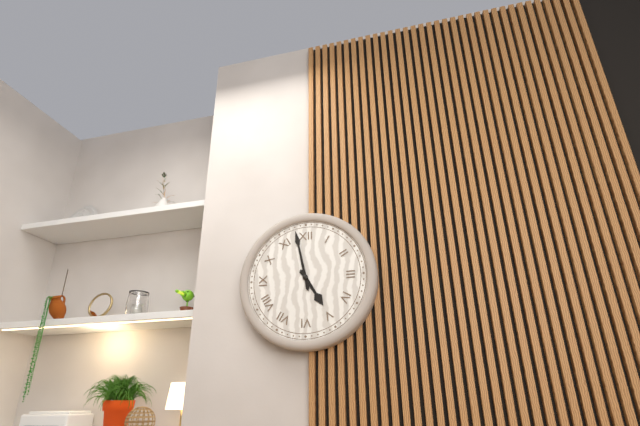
4:58
